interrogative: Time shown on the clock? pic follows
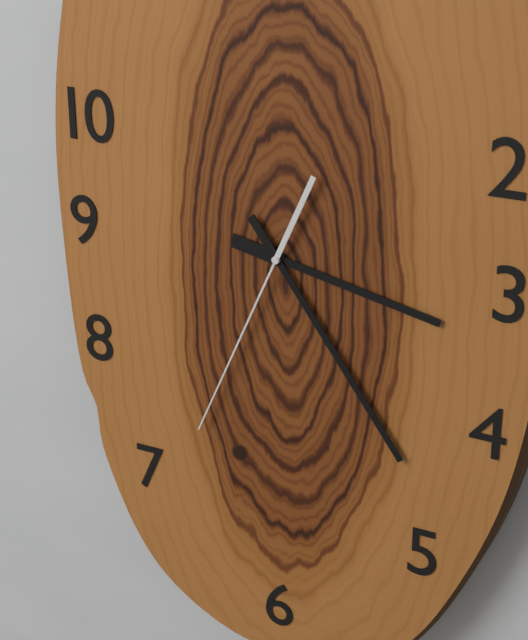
3:24:34
